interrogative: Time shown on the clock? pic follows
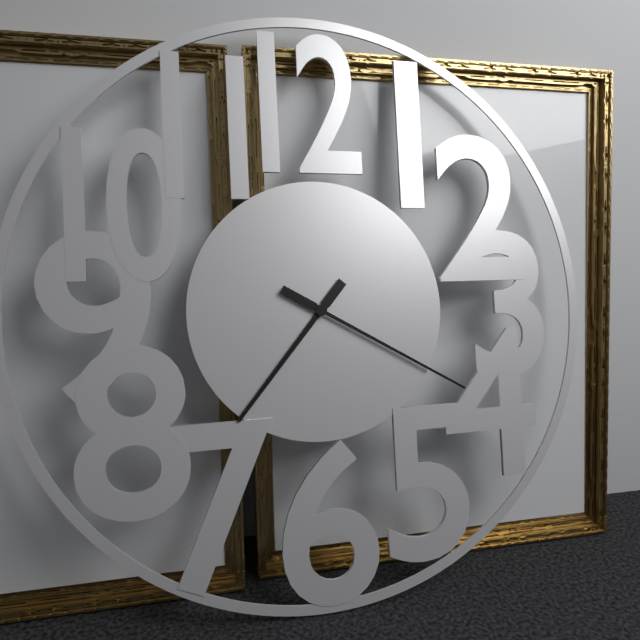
7:20
